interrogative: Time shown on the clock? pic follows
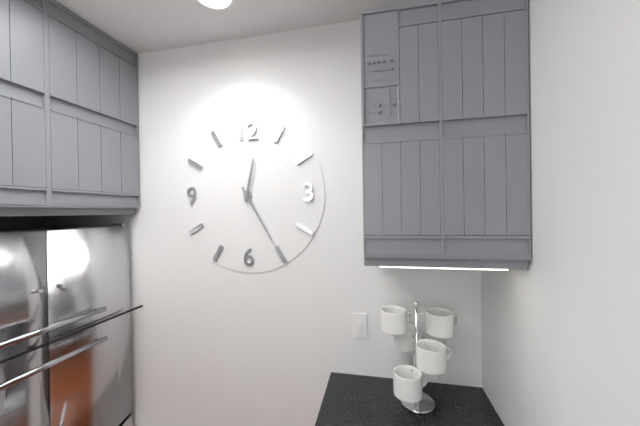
12:25
